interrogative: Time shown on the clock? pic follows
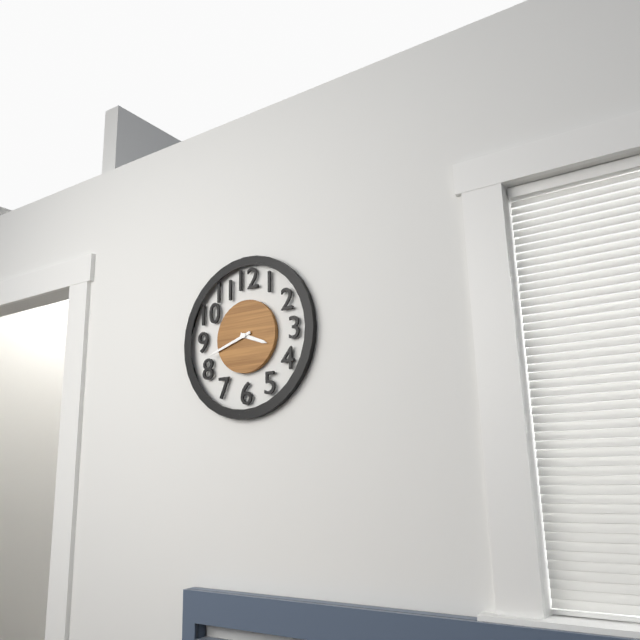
3:42
